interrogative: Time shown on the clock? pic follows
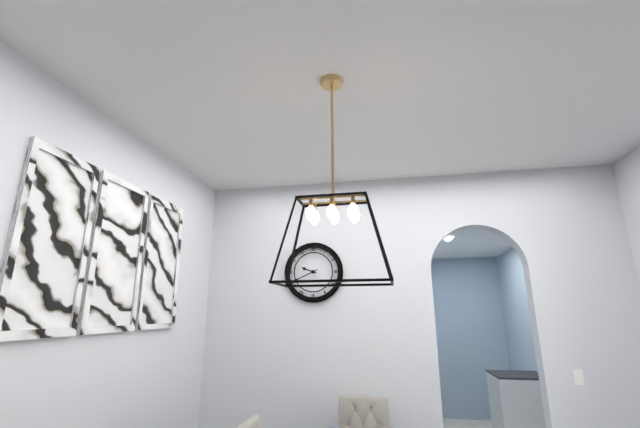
9:41
